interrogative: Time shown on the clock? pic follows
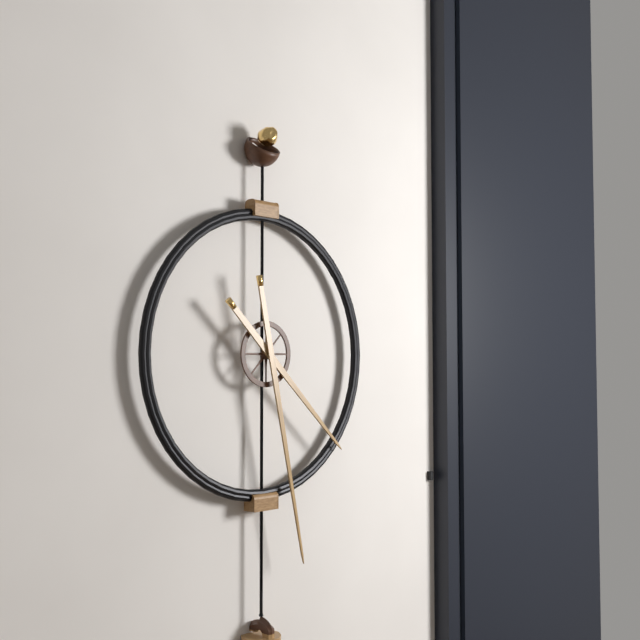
4:28
